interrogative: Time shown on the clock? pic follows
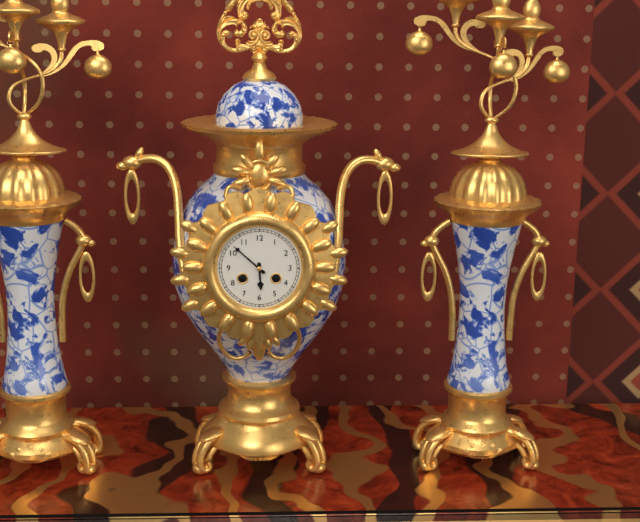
5:52
